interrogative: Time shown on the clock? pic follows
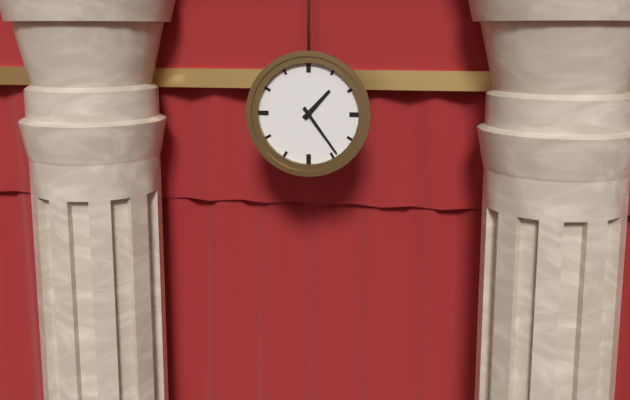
1:24
